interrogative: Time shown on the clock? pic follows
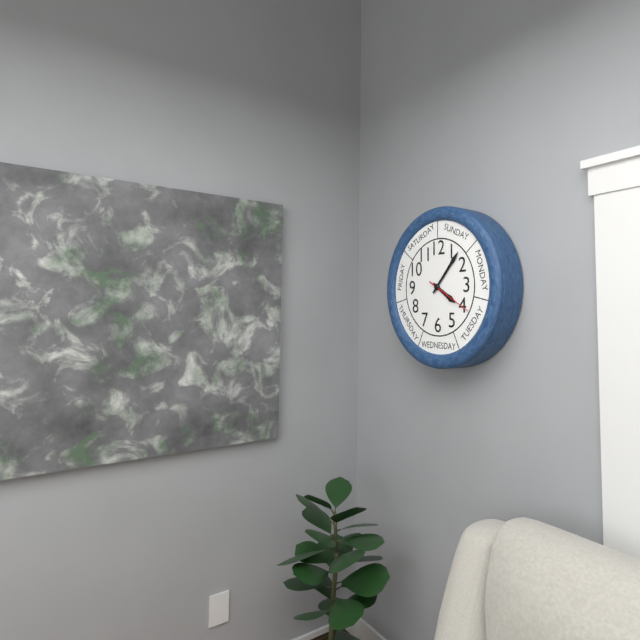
4:07
